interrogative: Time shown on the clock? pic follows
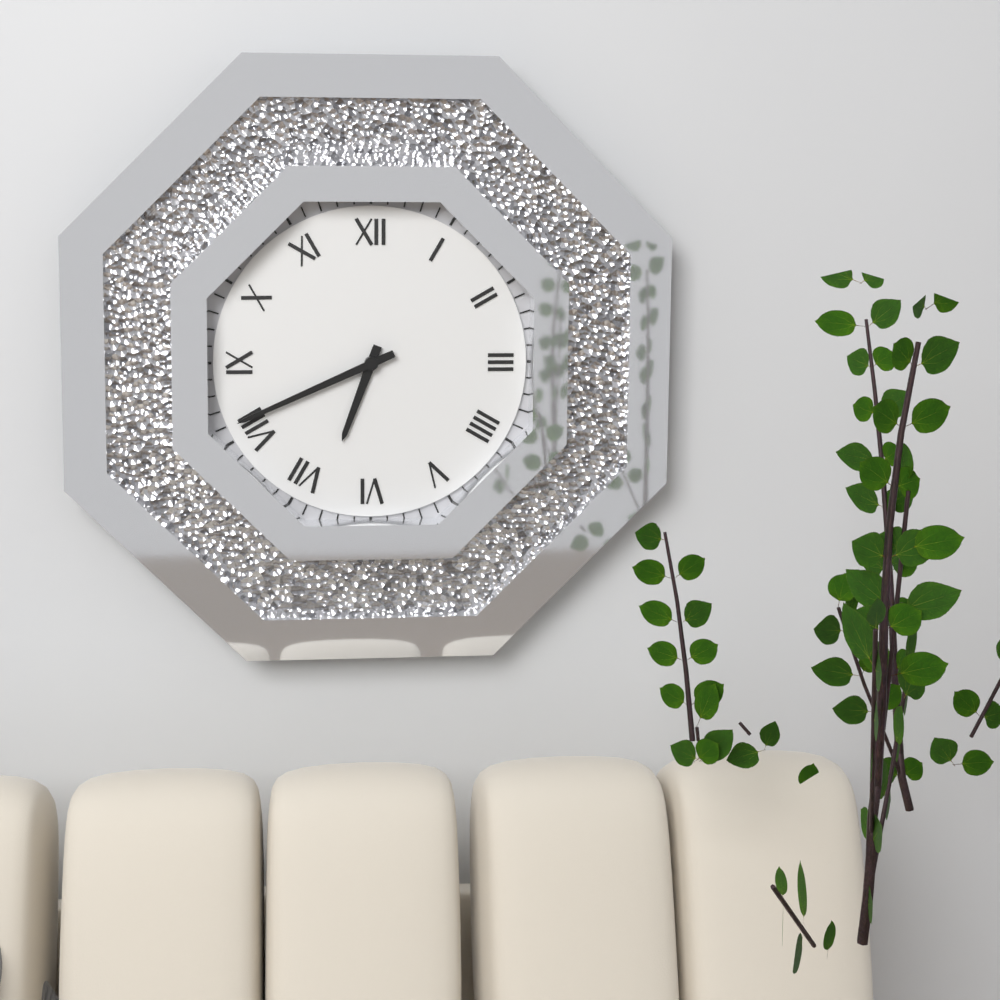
6:41
